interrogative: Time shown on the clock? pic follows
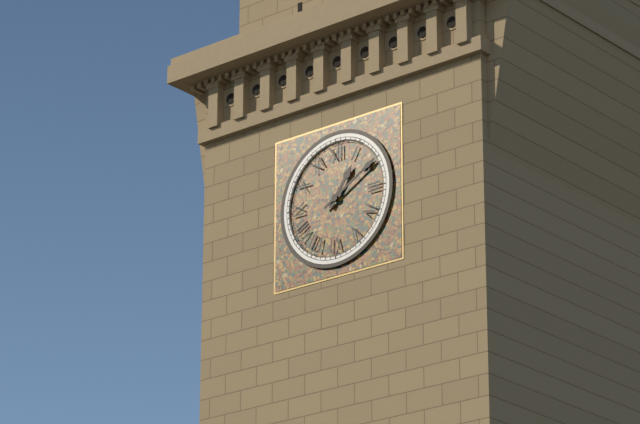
1:10
